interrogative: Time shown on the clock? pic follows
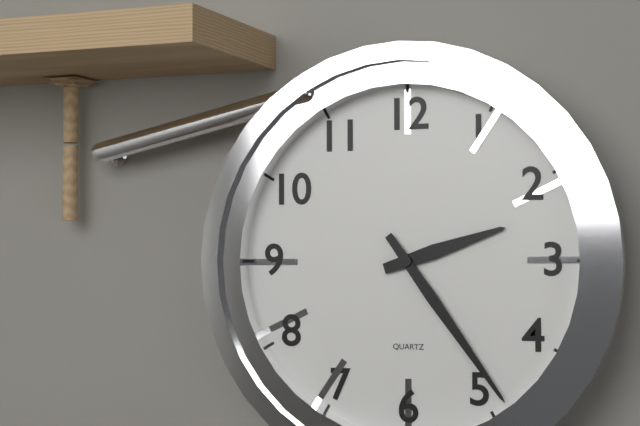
2:24
